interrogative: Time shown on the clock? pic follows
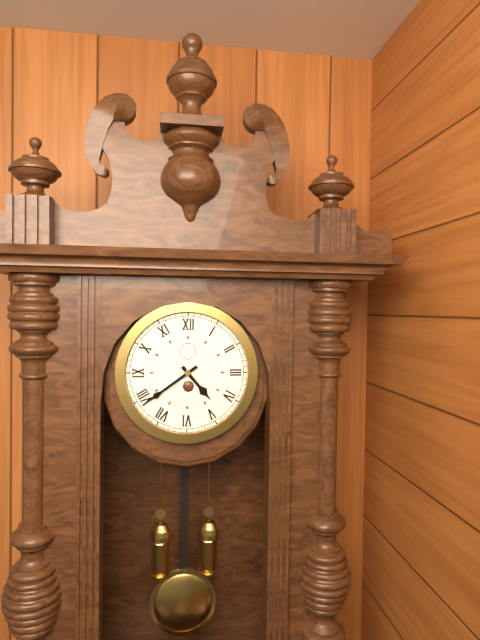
4:39
